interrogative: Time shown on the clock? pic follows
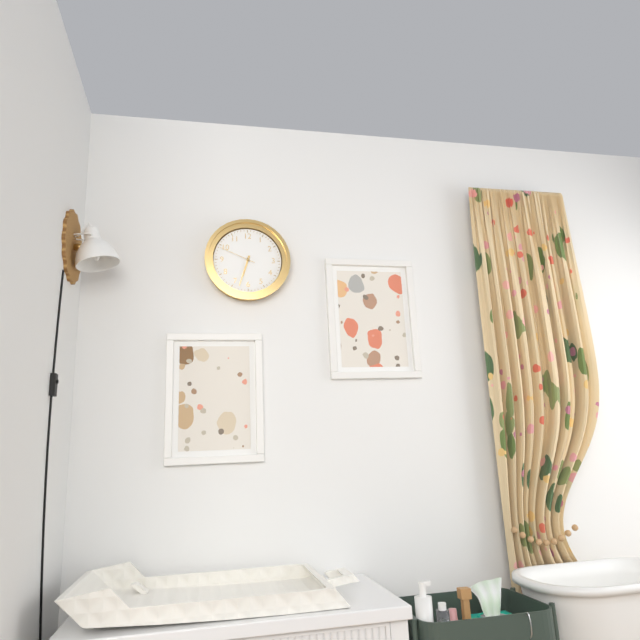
6:33
